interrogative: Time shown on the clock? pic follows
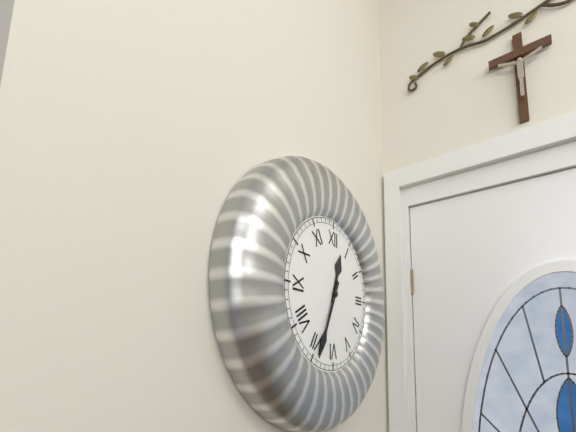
12:34
